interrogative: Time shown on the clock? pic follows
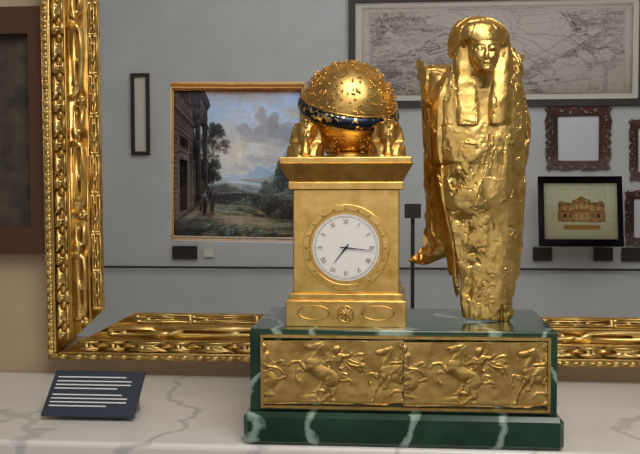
7:16
